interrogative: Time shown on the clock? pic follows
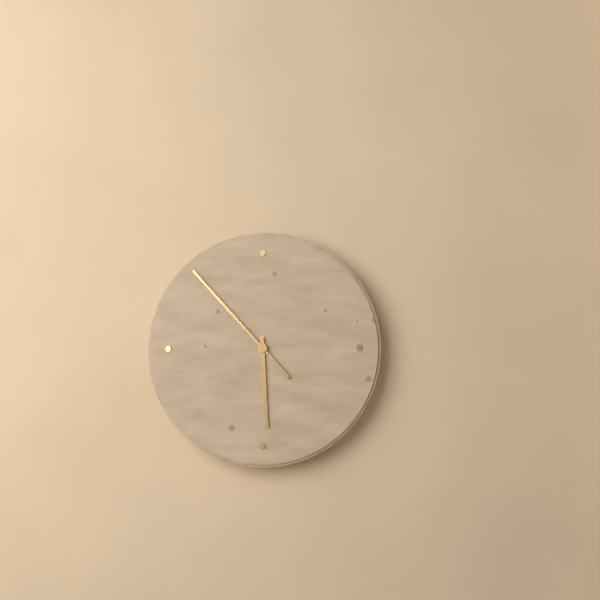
5:53
